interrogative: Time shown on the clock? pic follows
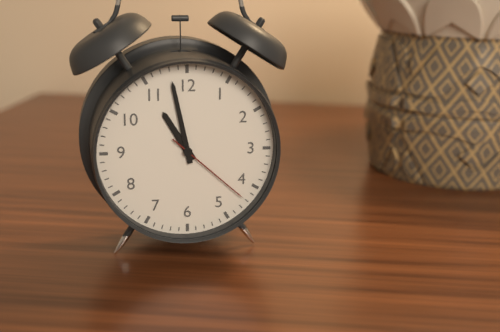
10:58:22
